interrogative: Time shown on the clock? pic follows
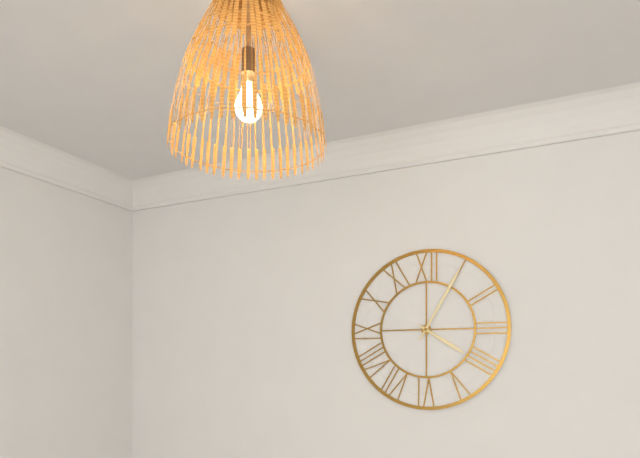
4:05
